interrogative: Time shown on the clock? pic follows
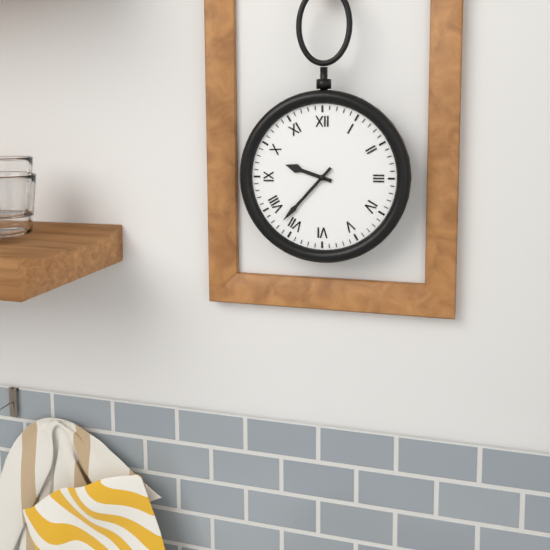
9:37
